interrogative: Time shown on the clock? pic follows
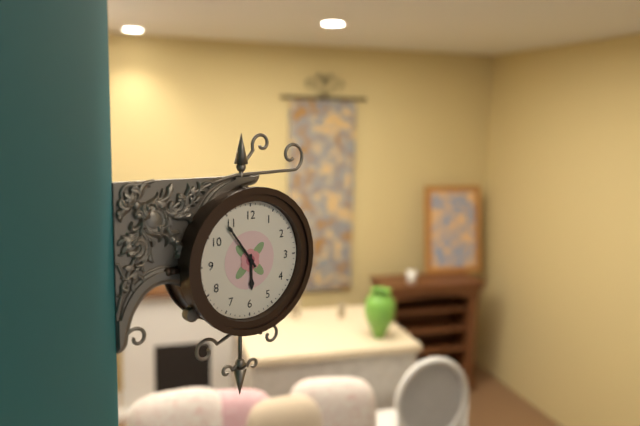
5:54
